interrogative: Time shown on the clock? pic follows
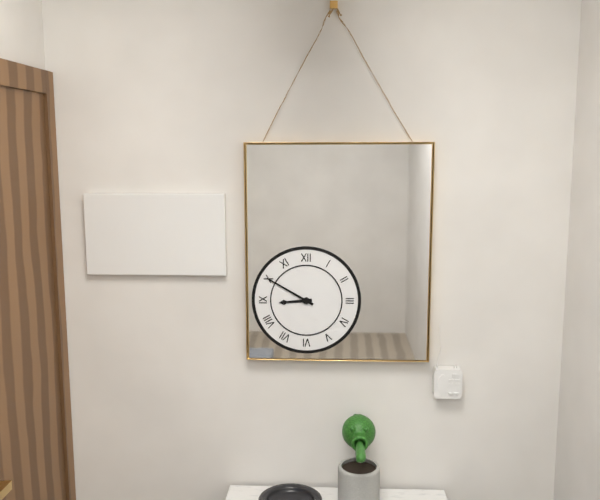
8:50
